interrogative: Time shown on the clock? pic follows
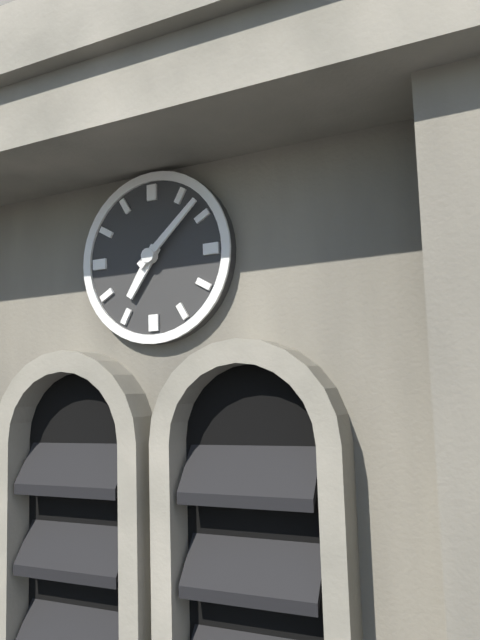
7:08
